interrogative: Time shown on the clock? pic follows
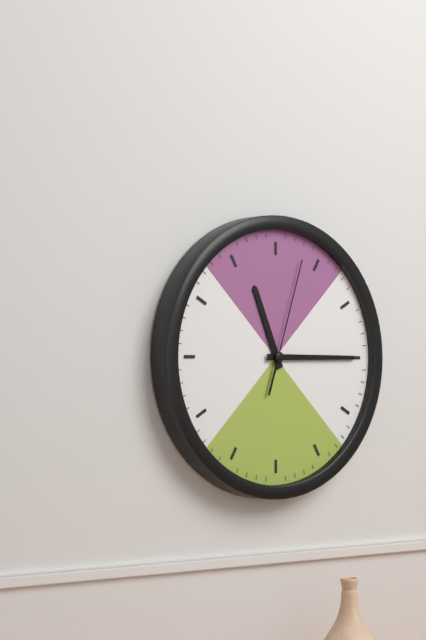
11:15:03
